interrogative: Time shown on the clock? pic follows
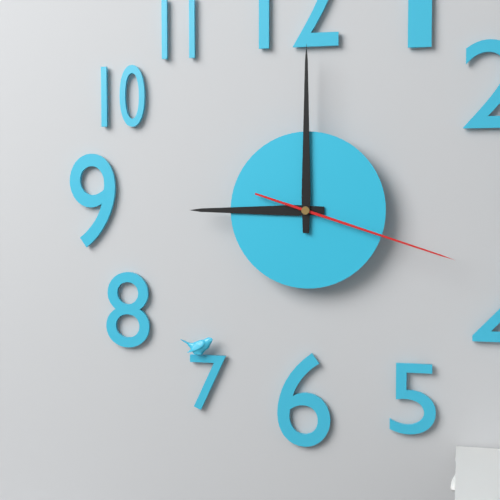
9:00:18
